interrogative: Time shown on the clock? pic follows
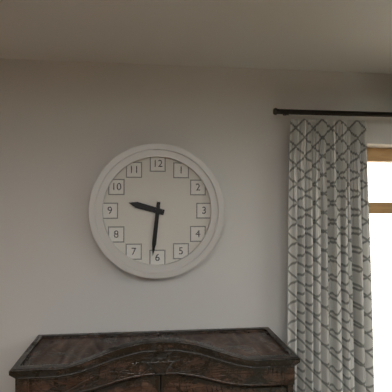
9:31
